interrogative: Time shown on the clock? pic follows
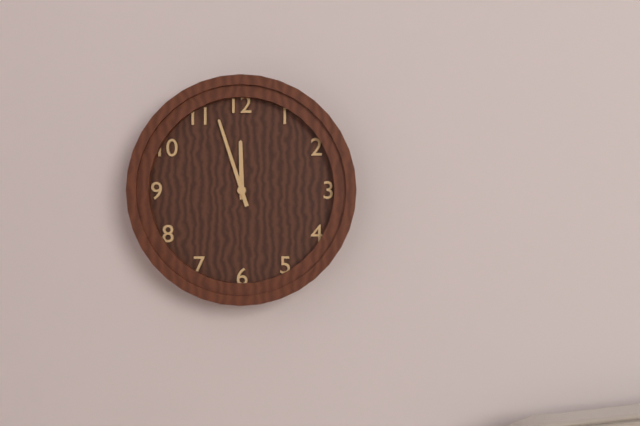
11:57
